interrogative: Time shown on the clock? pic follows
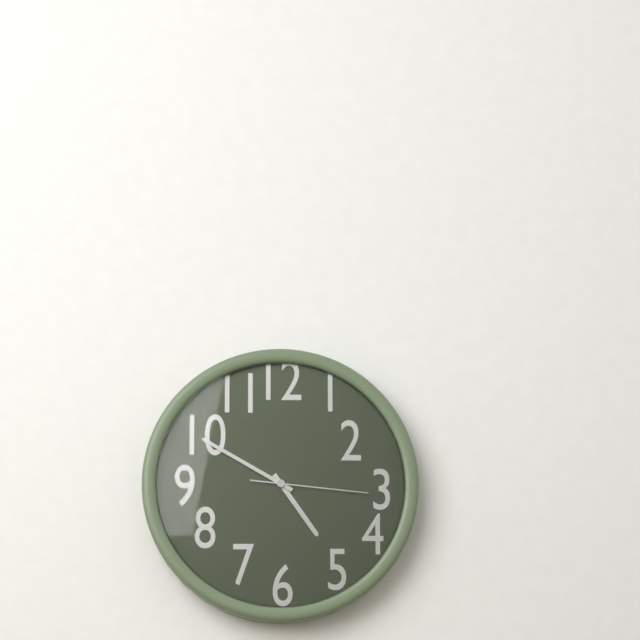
4:50:16
